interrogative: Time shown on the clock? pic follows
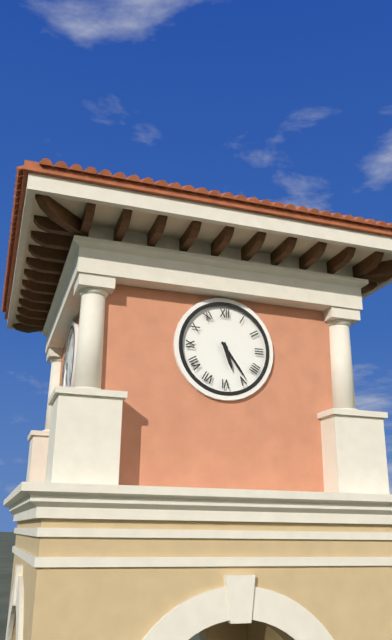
5:24
